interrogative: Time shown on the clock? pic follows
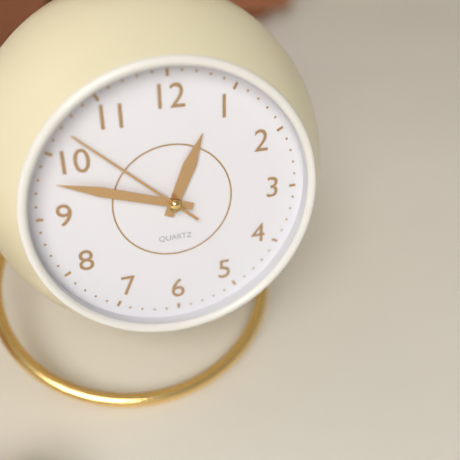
12:48:52
